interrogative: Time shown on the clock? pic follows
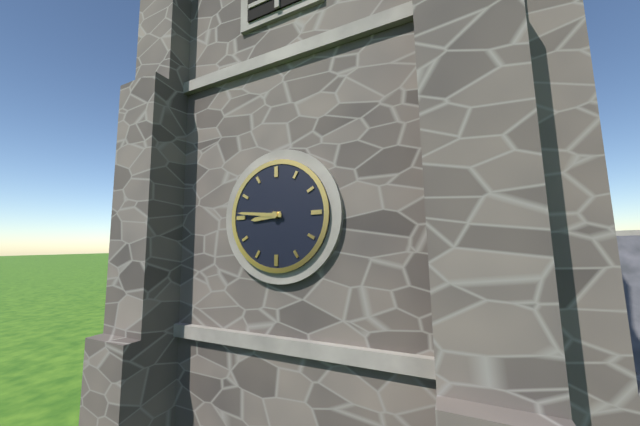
8:46
